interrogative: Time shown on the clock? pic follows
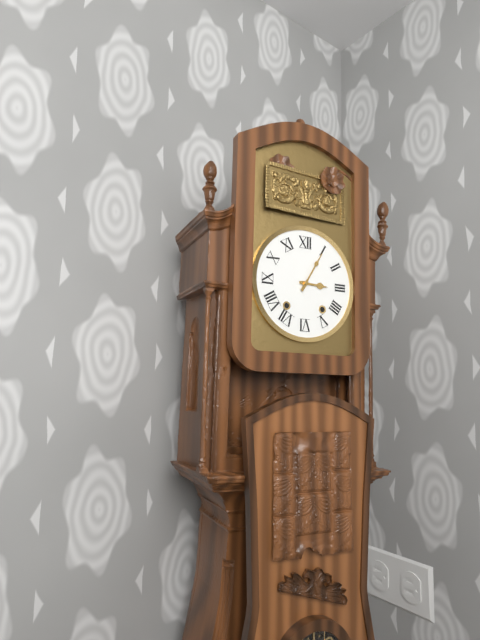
3:05
